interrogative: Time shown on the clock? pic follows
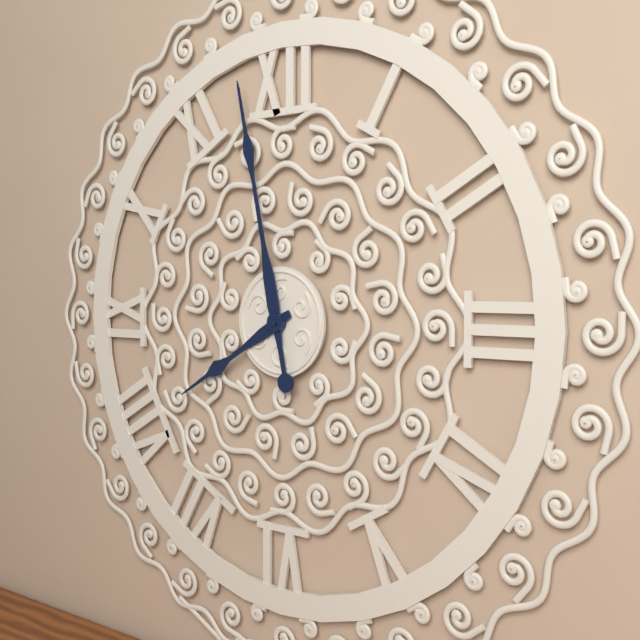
7:58
